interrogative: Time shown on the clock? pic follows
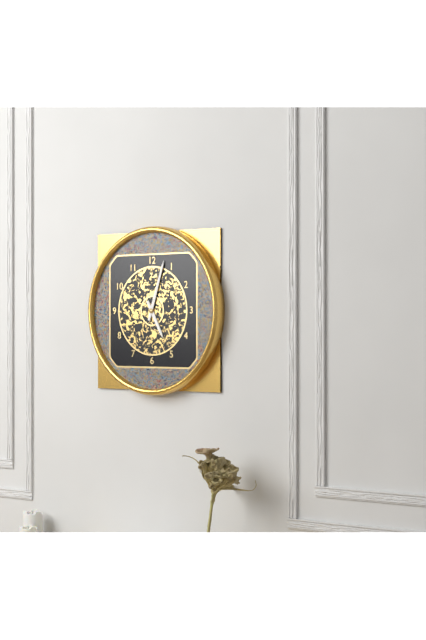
5:03
